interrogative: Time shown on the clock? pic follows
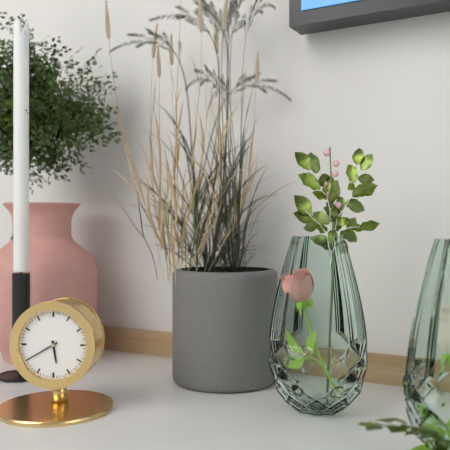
5:40
